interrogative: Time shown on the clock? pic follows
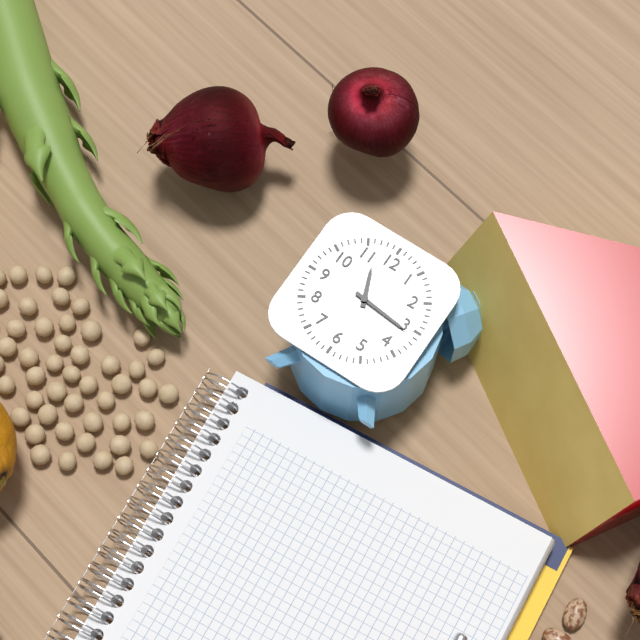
11:16
